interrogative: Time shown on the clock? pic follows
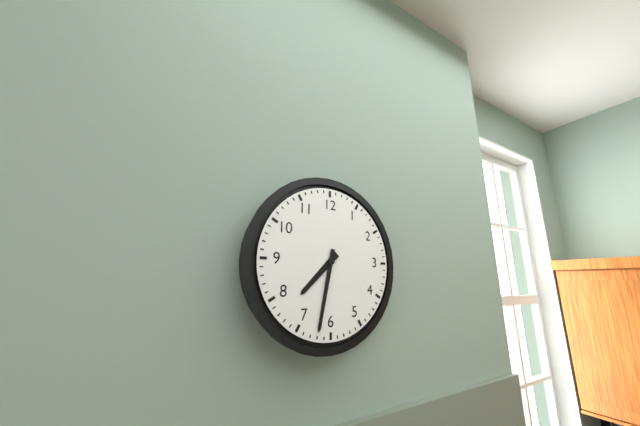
7:32
